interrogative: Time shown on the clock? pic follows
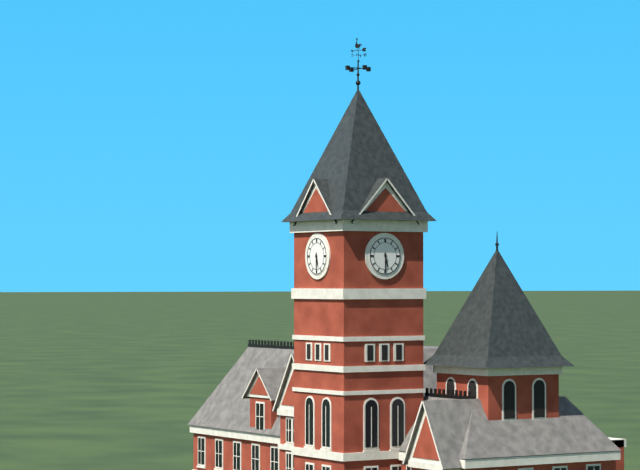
5:30
